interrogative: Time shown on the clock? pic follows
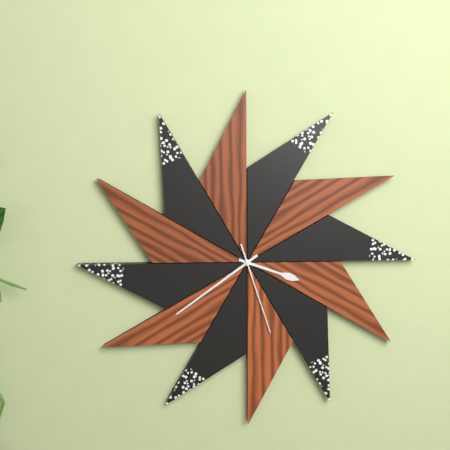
3:39:27
